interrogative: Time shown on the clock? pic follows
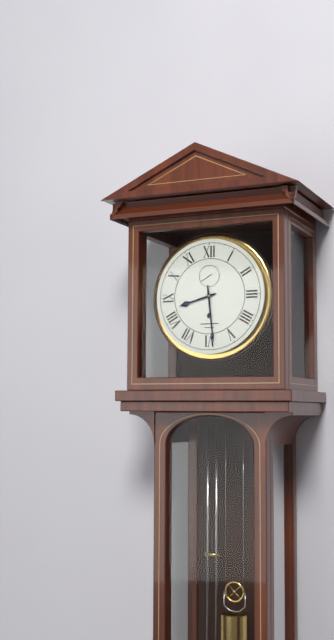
8:29
